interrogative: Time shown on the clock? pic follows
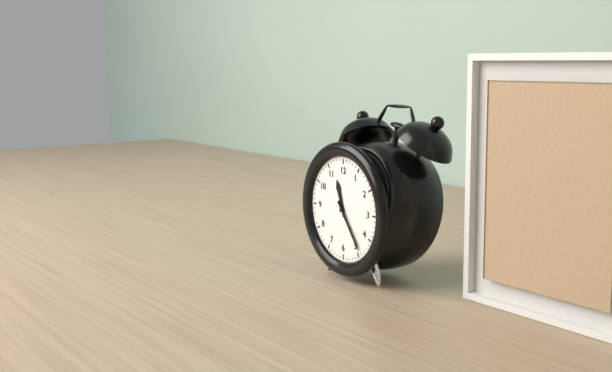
11:24
